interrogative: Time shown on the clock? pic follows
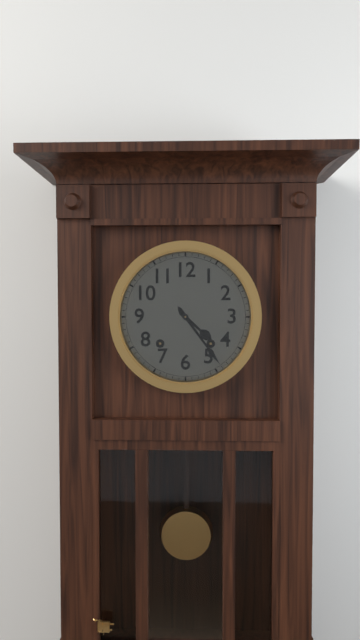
4:24
